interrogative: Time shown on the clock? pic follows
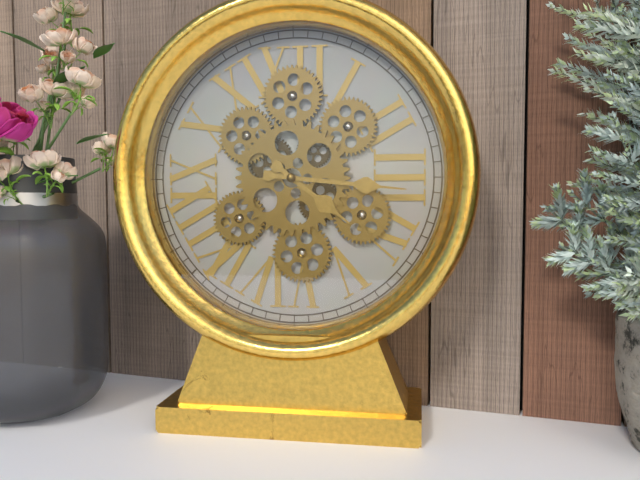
4:16
